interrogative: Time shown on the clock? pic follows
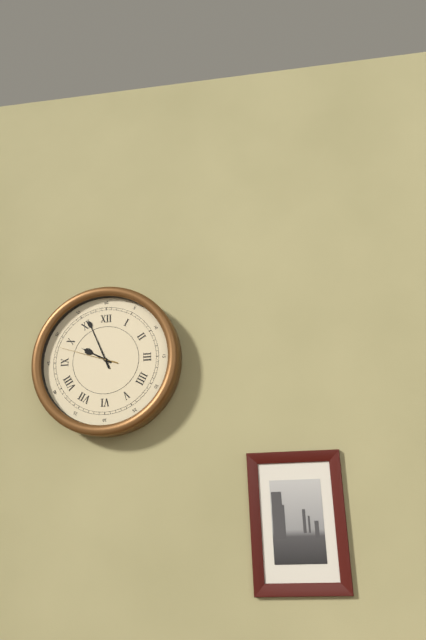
9:56:48
